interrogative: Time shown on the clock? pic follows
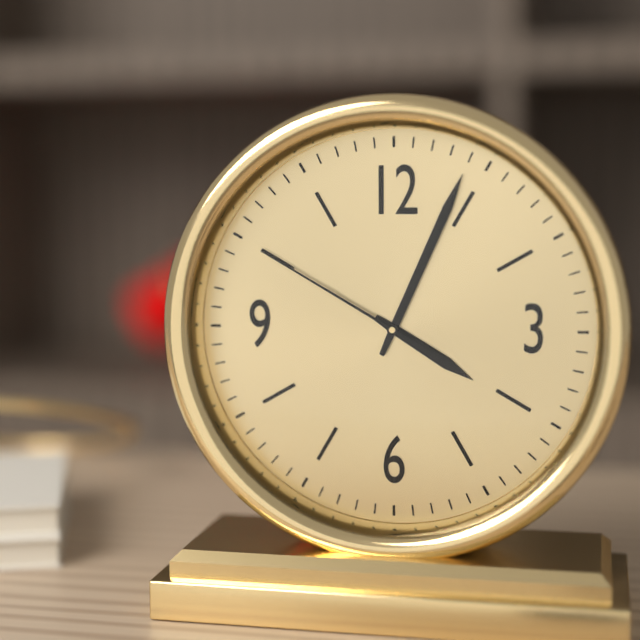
4:04:50
